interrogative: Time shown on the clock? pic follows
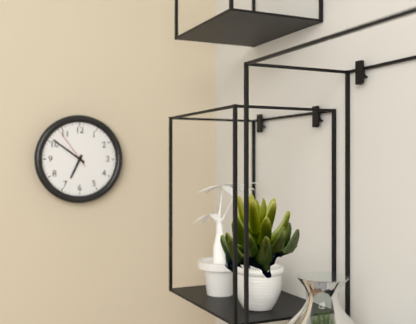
6:51
